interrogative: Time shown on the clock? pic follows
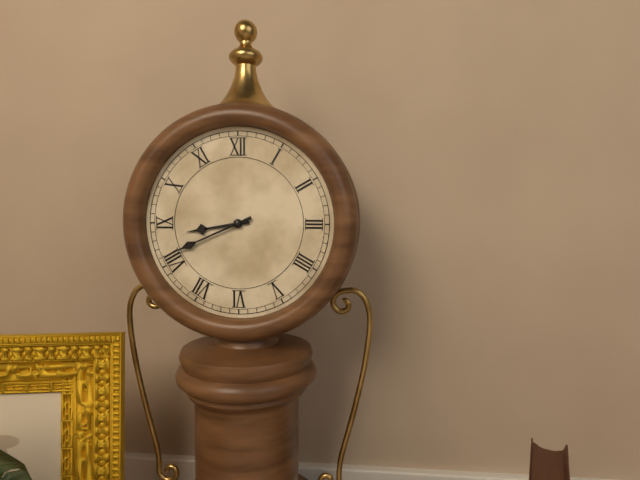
8:41
